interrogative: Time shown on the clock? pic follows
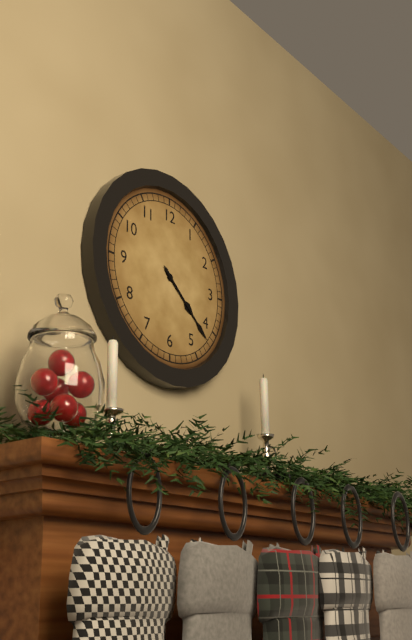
4:22
